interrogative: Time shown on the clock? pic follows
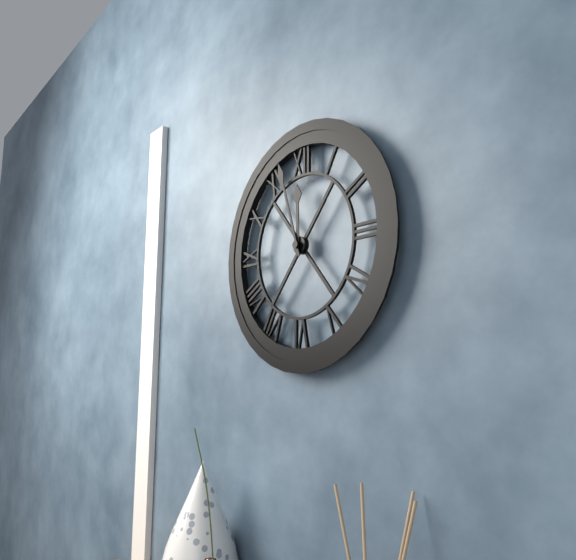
11:57
